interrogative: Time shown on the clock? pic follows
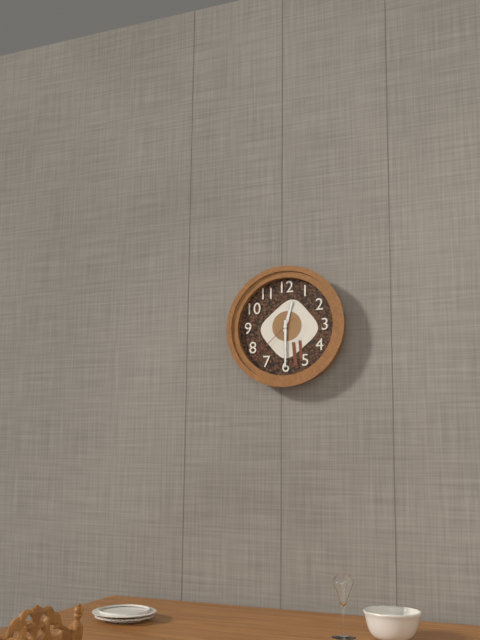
12:30:38
